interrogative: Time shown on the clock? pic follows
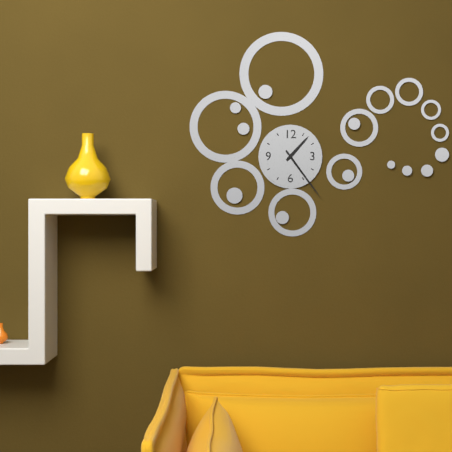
1:24
